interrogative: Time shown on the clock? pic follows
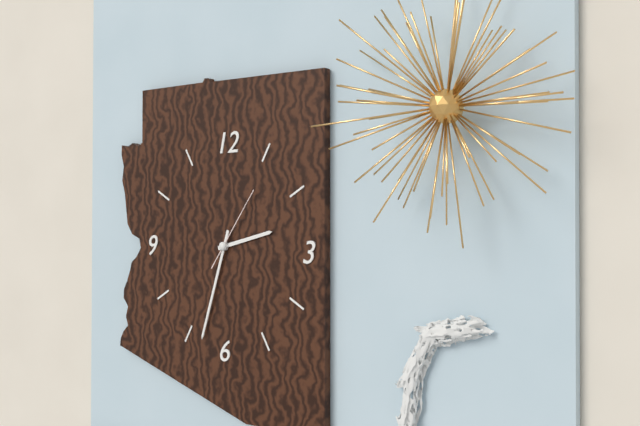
2:33:06
